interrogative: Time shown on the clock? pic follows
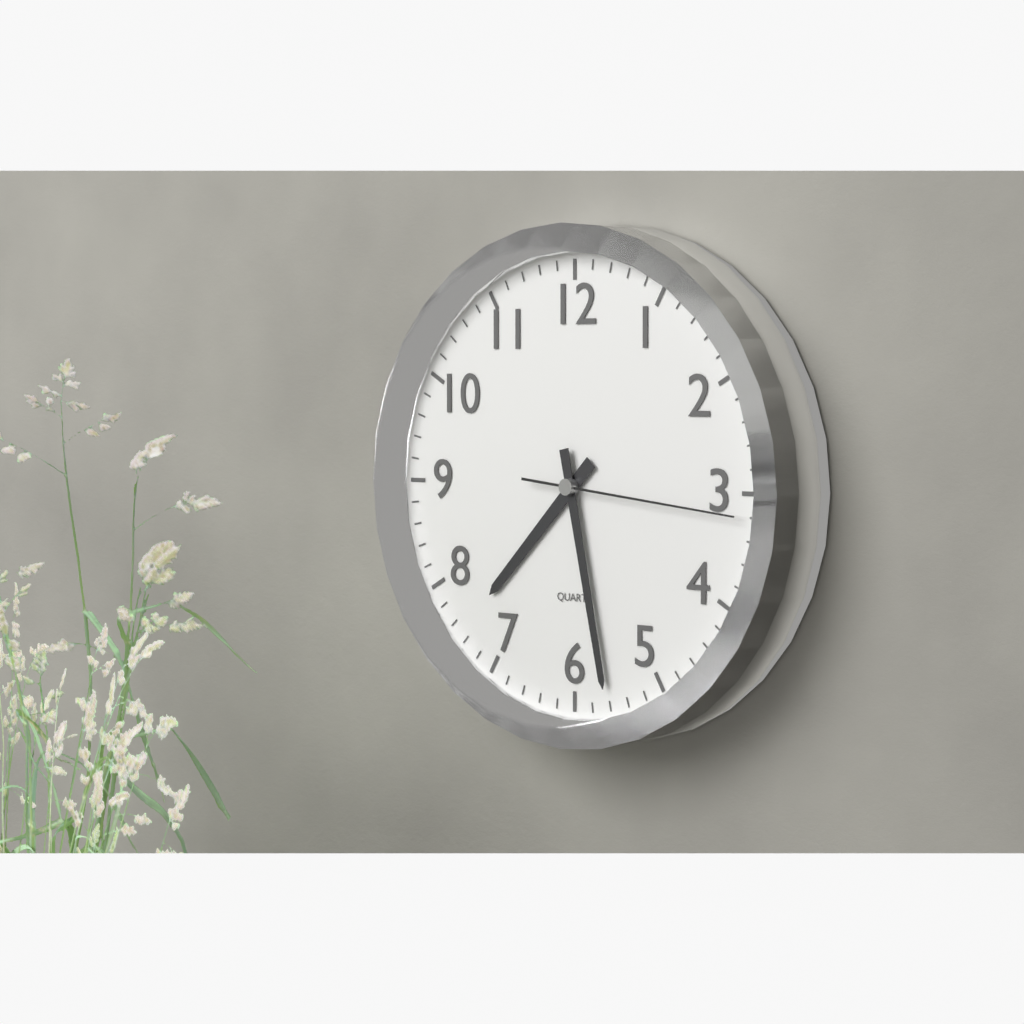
7:28:16
